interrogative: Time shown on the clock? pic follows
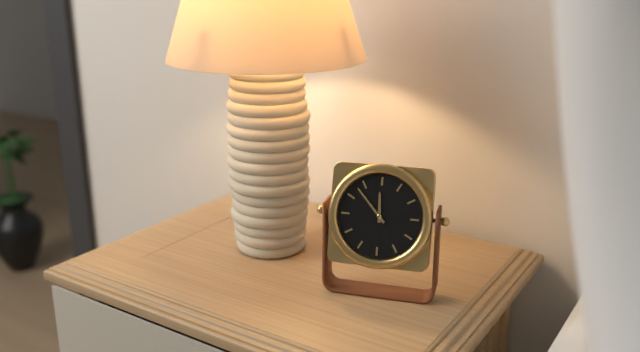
11:53
